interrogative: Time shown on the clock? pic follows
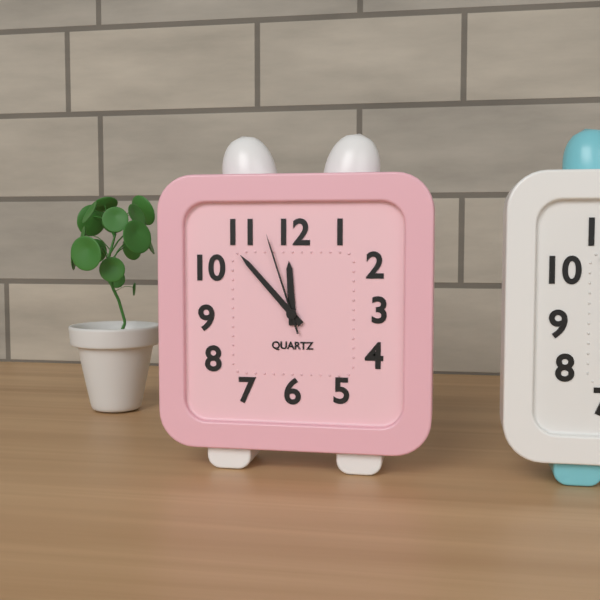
11:53:57
